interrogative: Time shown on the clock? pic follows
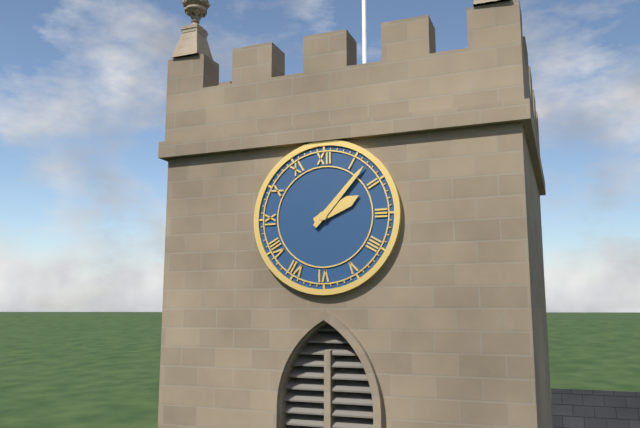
2:07
